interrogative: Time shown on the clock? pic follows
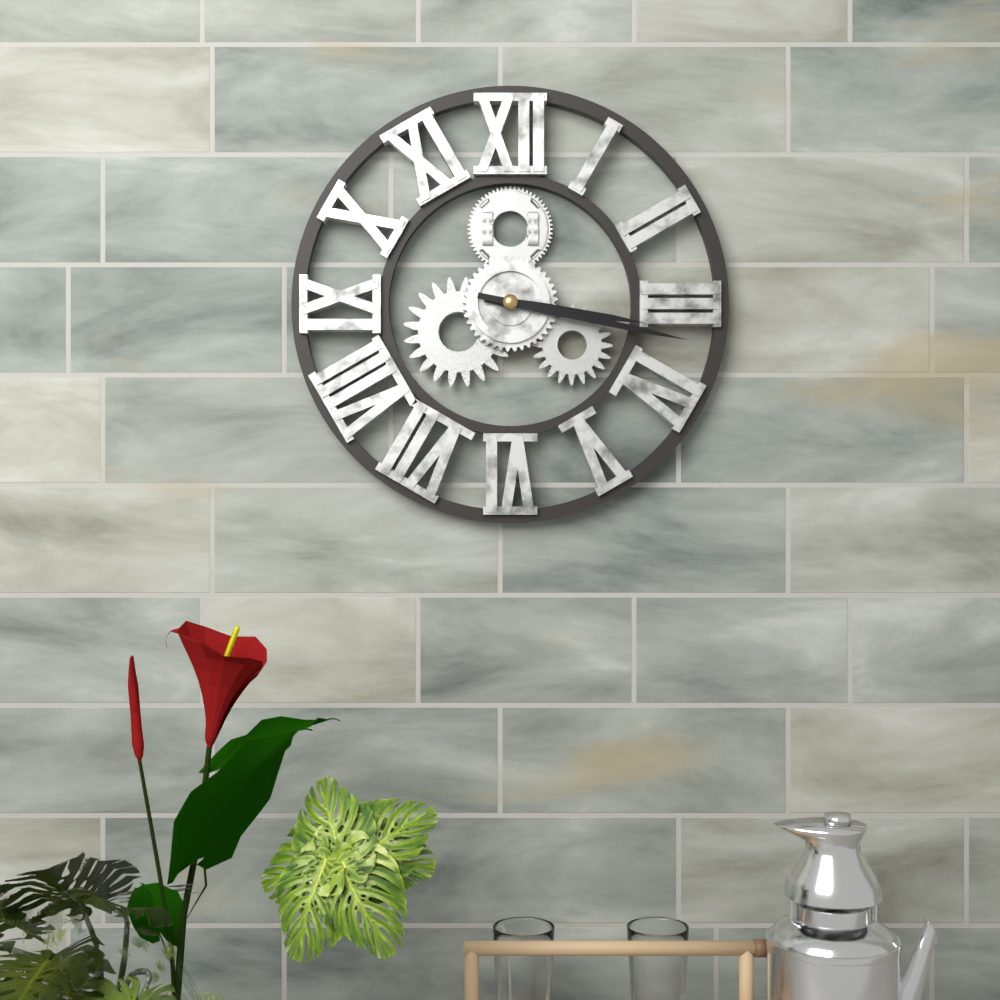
3:17
